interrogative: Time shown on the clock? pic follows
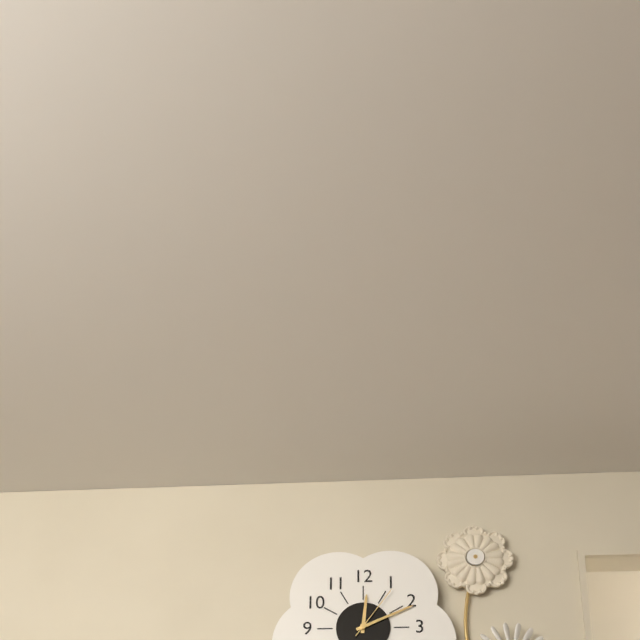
12:11:06
